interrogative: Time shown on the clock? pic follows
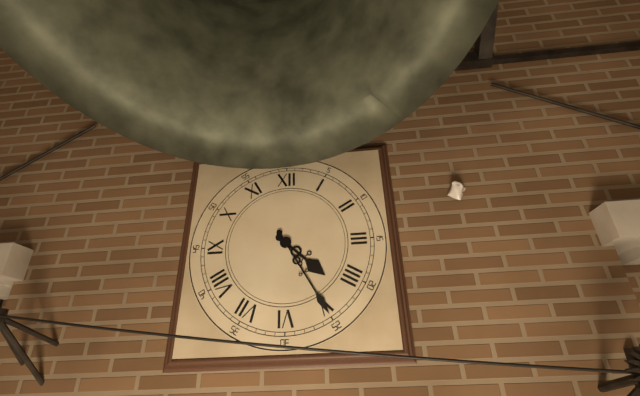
4:25
